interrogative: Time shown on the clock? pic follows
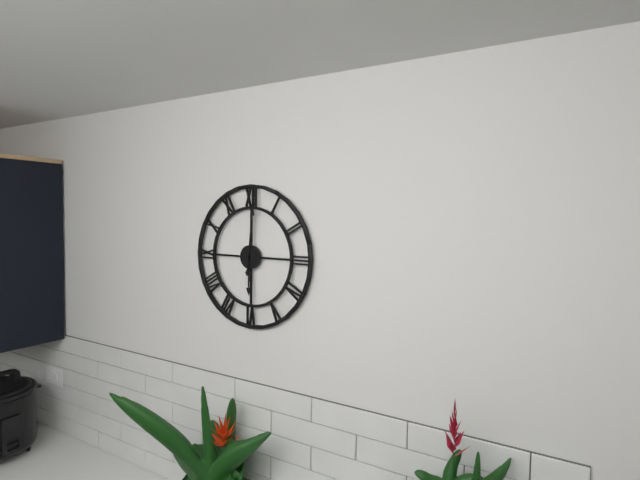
6:01
